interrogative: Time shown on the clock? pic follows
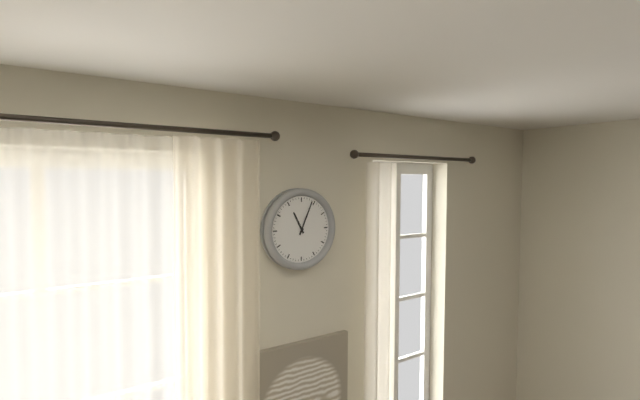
11:04
